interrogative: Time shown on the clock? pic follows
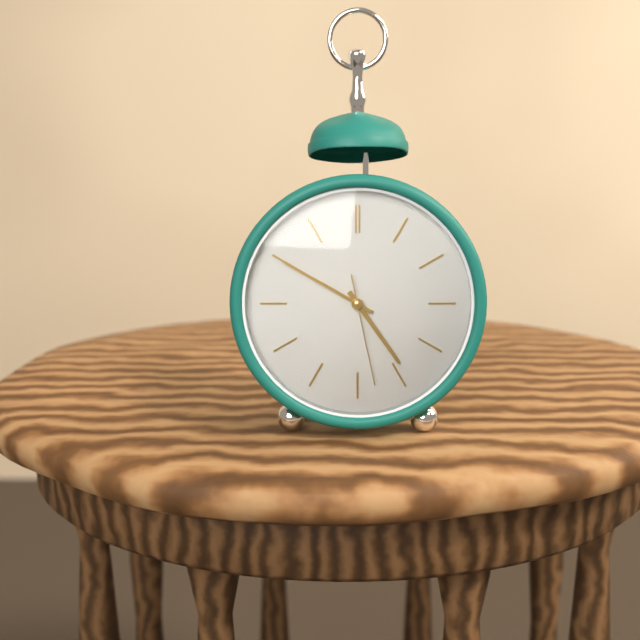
4:50:28
